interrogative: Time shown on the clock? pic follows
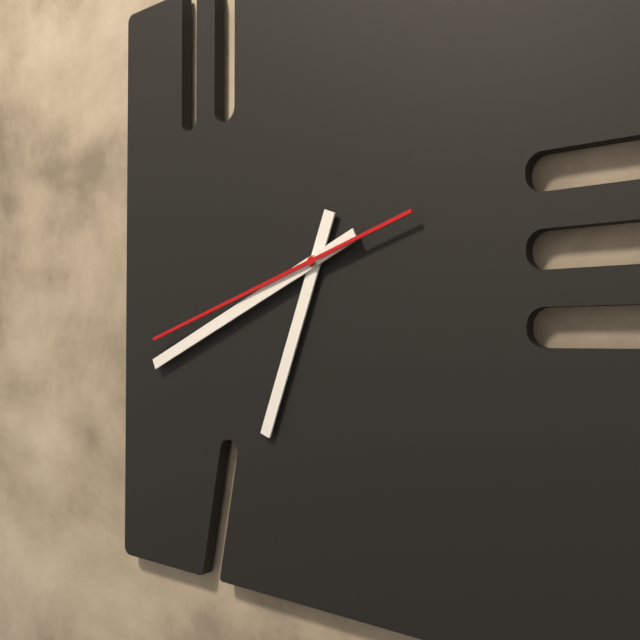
6:41:42
